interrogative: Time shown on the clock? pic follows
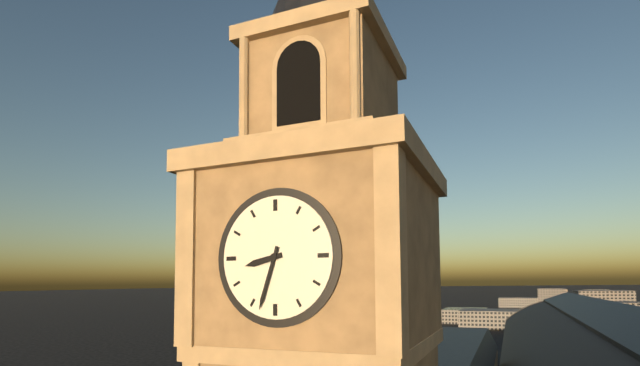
8:33
